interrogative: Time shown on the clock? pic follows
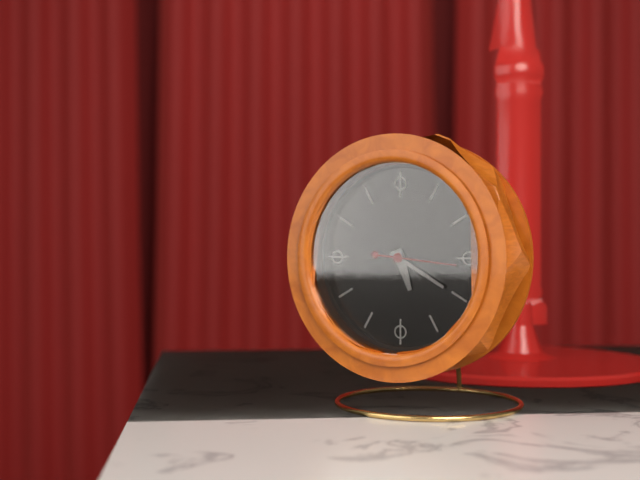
5:20:16
